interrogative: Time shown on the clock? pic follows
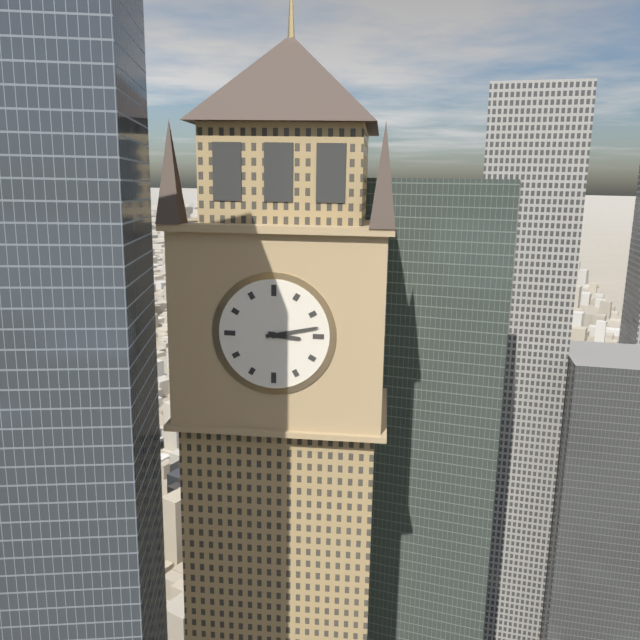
3:13
